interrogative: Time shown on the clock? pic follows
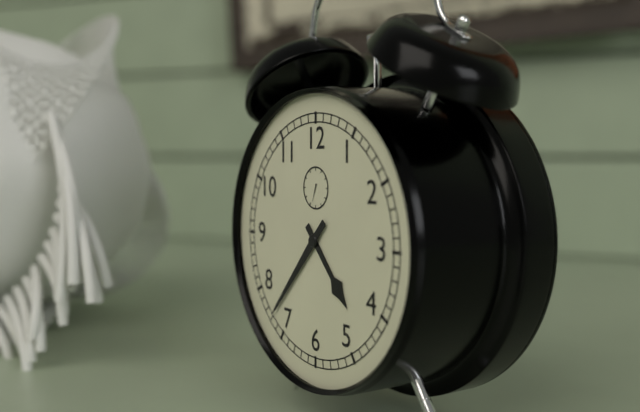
4:37
